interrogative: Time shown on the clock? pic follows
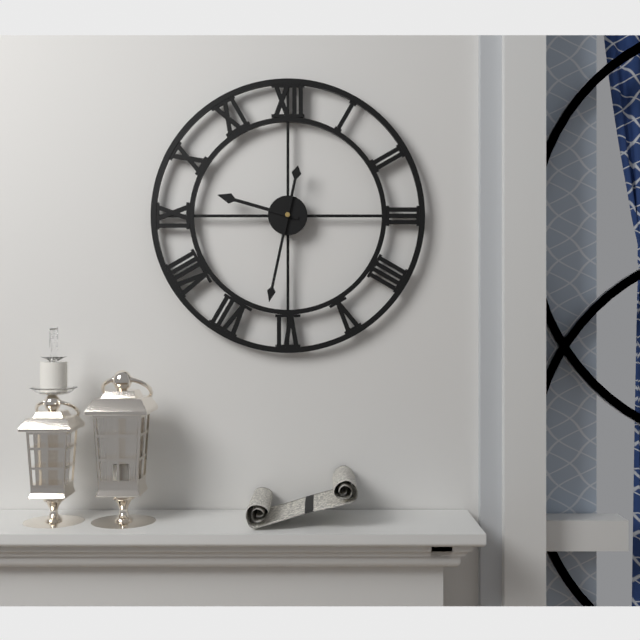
9:32
